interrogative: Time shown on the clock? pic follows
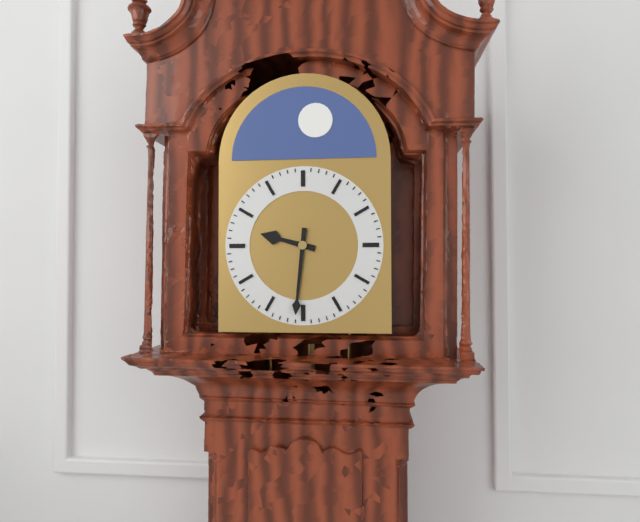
9:31
